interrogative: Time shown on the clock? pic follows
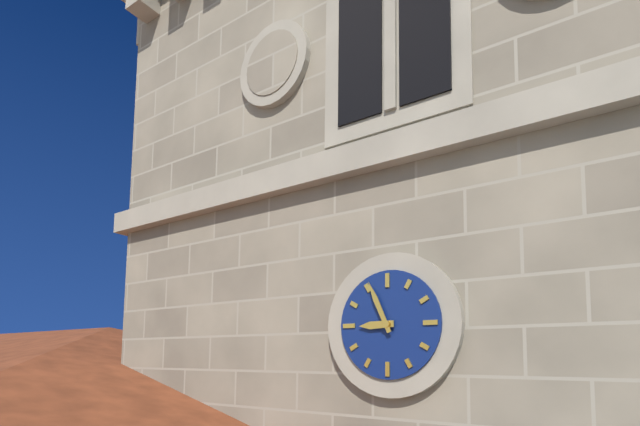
8:56
